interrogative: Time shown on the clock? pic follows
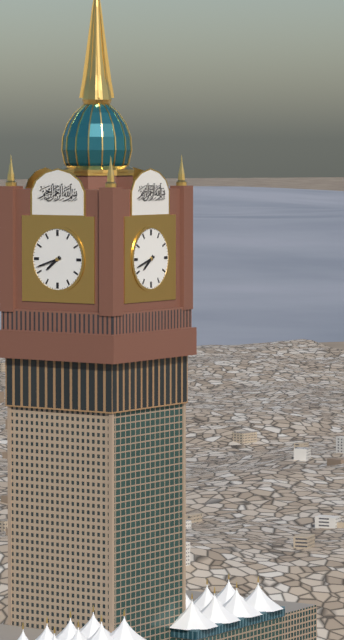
7:42
